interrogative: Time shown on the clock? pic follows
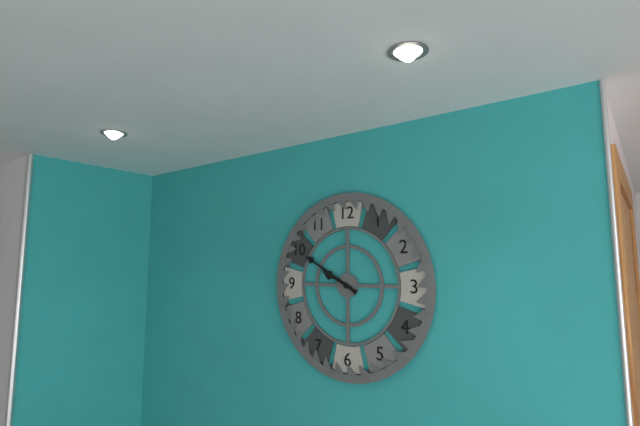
9:50
